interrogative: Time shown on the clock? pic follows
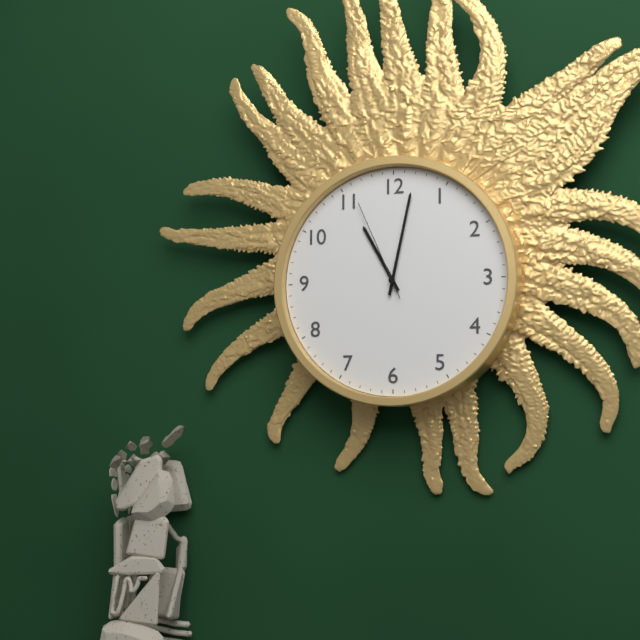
11:02:56
